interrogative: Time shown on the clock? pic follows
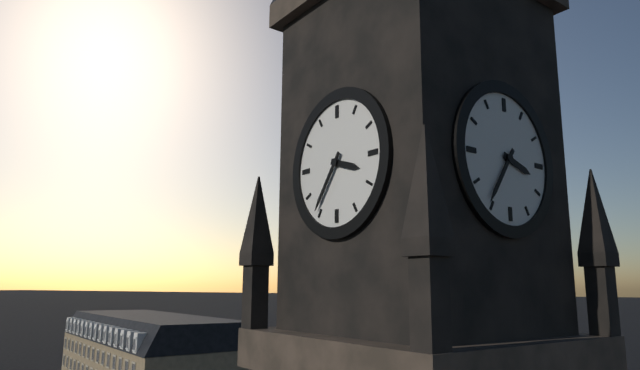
3:36
